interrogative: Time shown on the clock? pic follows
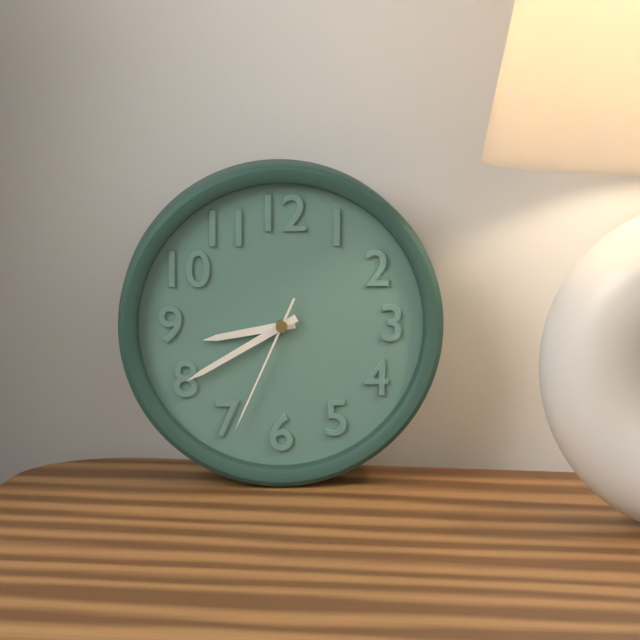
8:40:34
